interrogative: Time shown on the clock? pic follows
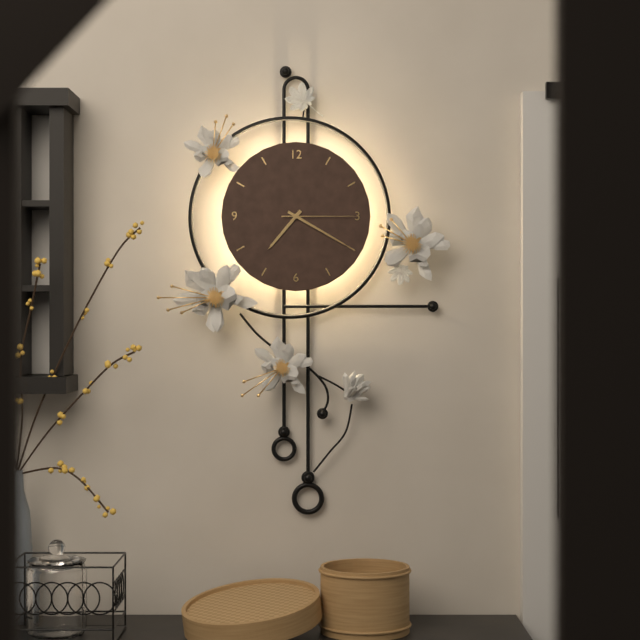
7:20:15
